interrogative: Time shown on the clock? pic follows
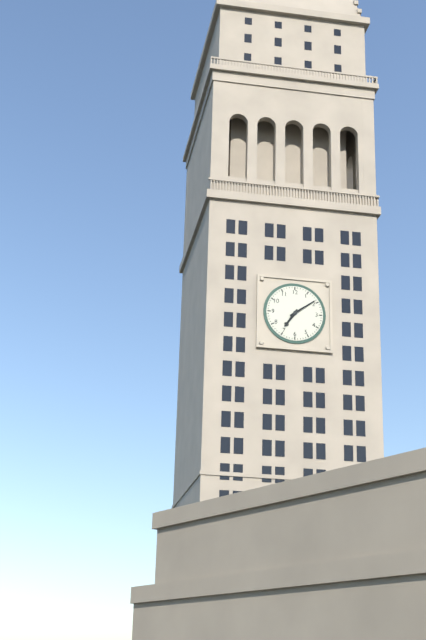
7:09
